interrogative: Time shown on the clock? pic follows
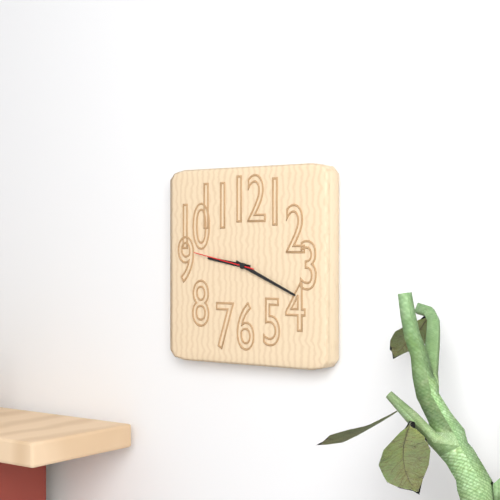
9:19:47
